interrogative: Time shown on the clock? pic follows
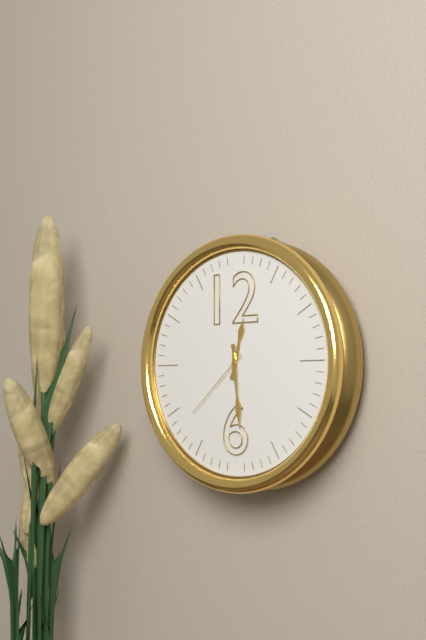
12:29:38
